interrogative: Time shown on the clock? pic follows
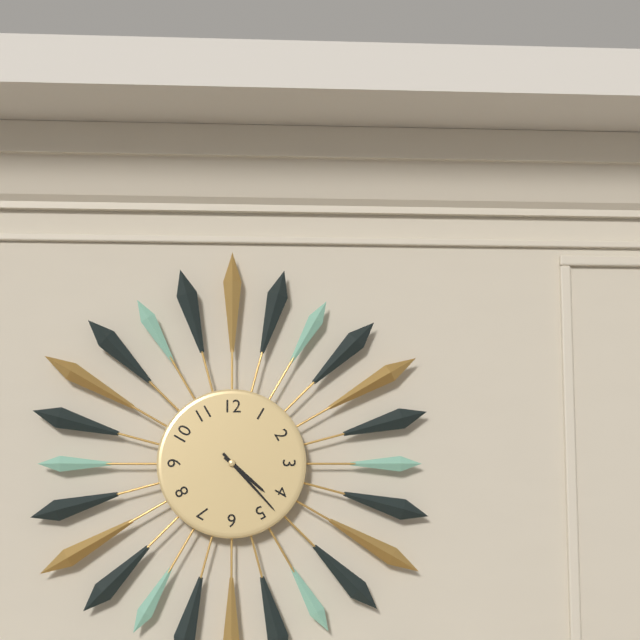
4:23
